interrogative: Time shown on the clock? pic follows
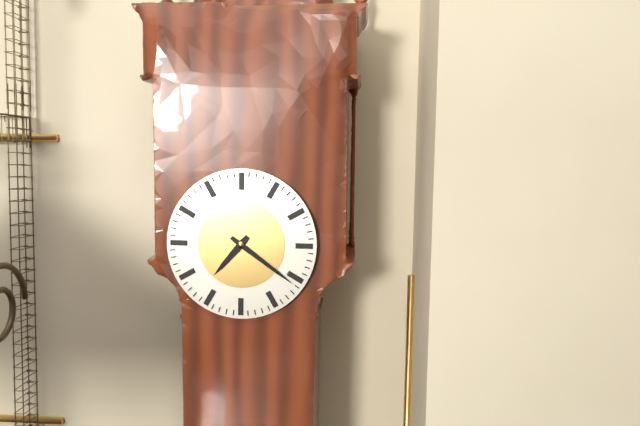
7:21
